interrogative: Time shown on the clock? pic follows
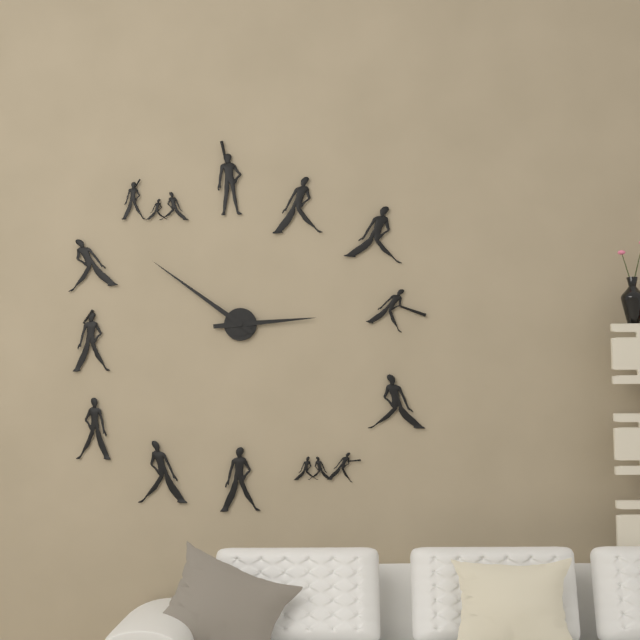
2:51
